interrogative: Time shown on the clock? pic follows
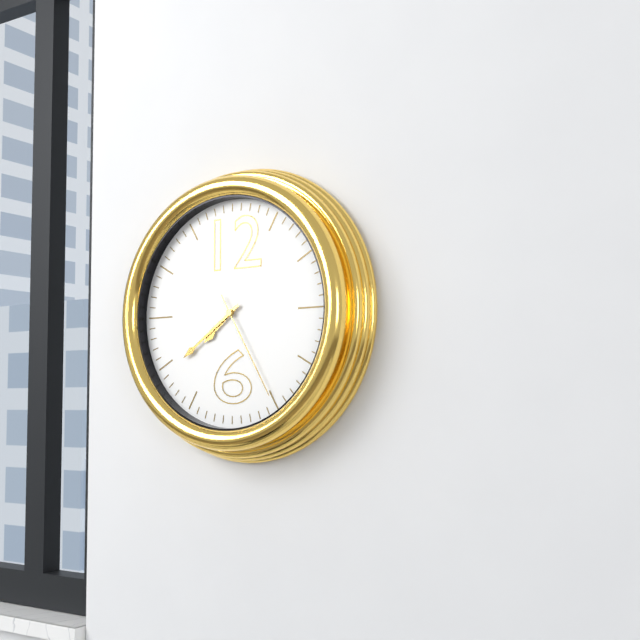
7:39:25
